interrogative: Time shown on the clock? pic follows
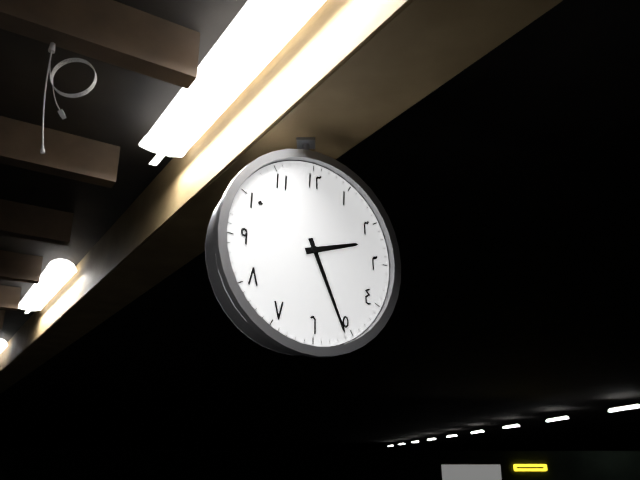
2:26
